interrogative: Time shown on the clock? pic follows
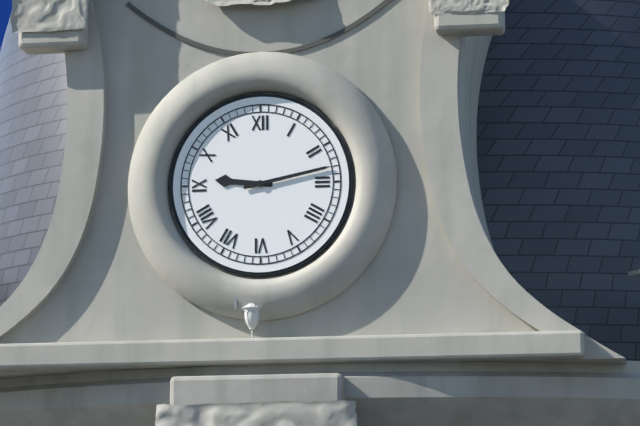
9:13
